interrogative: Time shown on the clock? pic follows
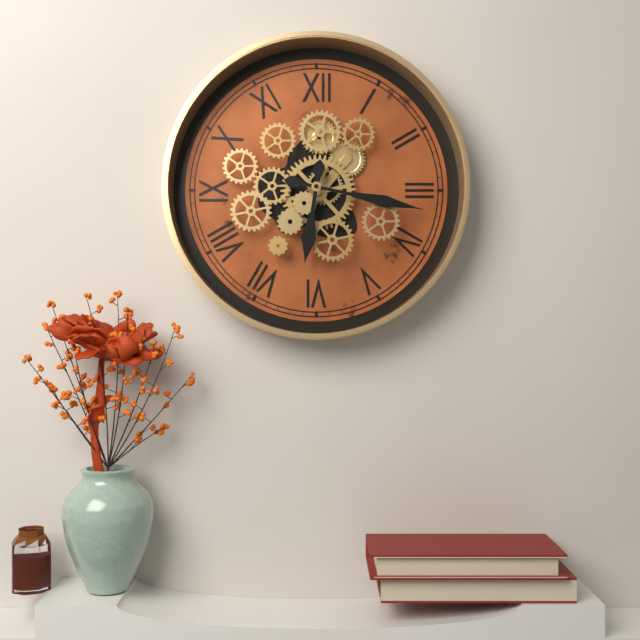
6:17
